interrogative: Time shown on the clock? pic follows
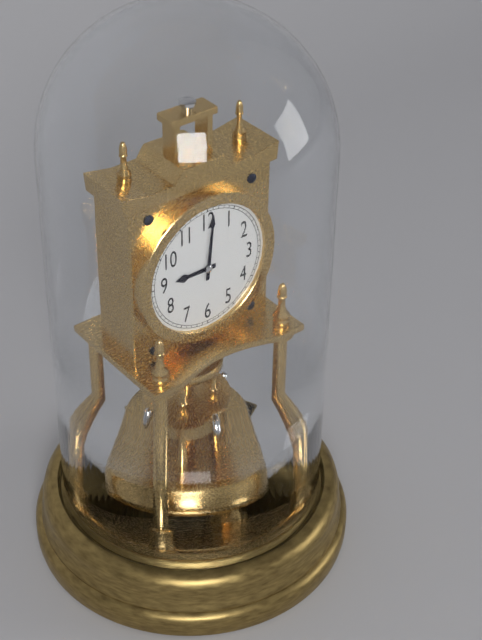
9:01
